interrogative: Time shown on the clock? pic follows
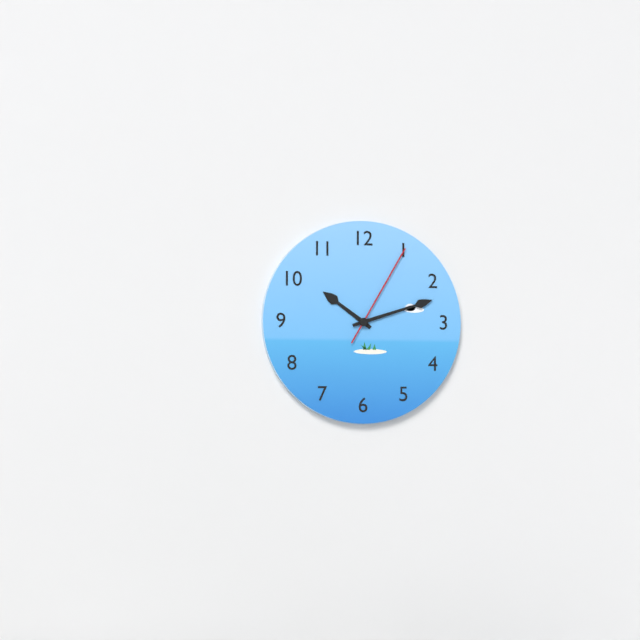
10:12:05
